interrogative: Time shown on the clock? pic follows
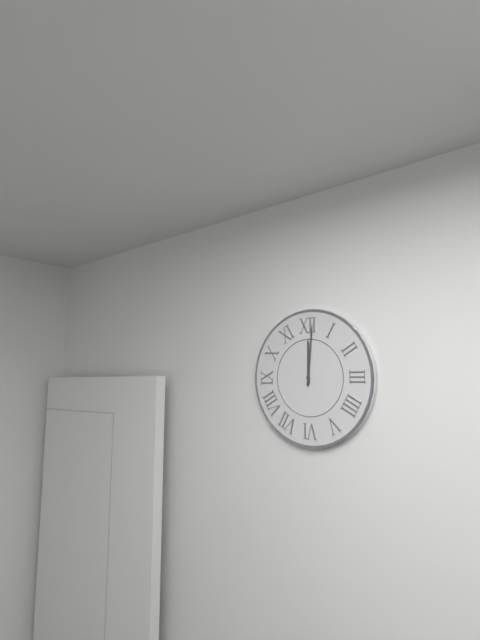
12:01
